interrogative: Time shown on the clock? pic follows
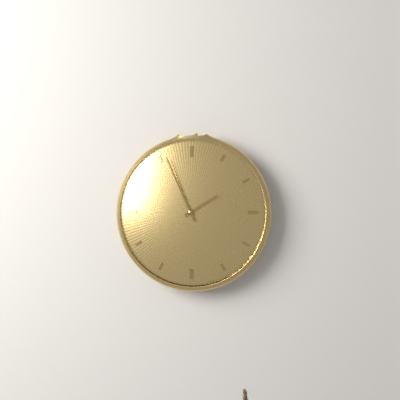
1:56
